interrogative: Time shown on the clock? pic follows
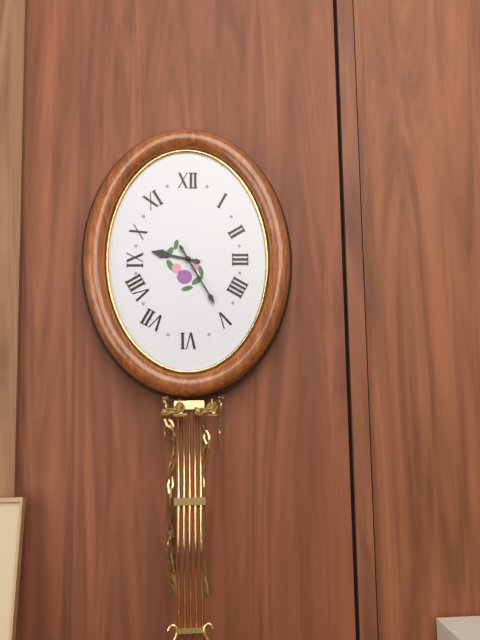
9:25
